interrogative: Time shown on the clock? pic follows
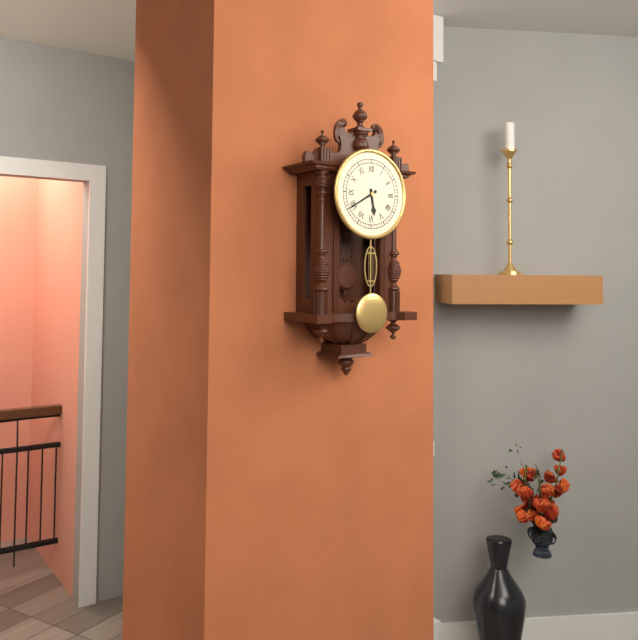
5:40
